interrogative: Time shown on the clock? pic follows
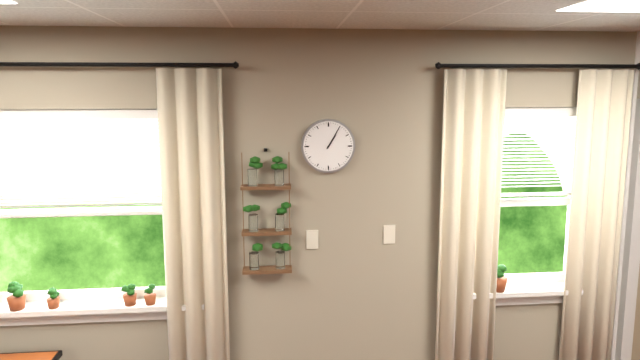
1:05
